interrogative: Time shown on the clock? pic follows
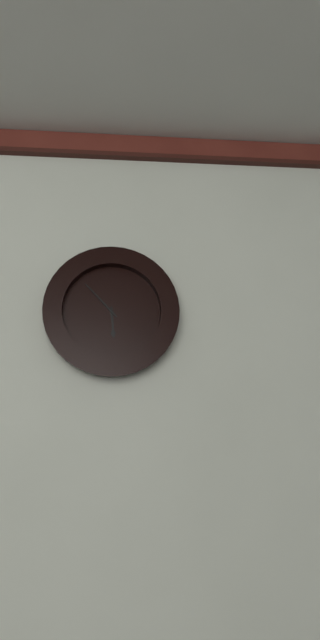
5:53
